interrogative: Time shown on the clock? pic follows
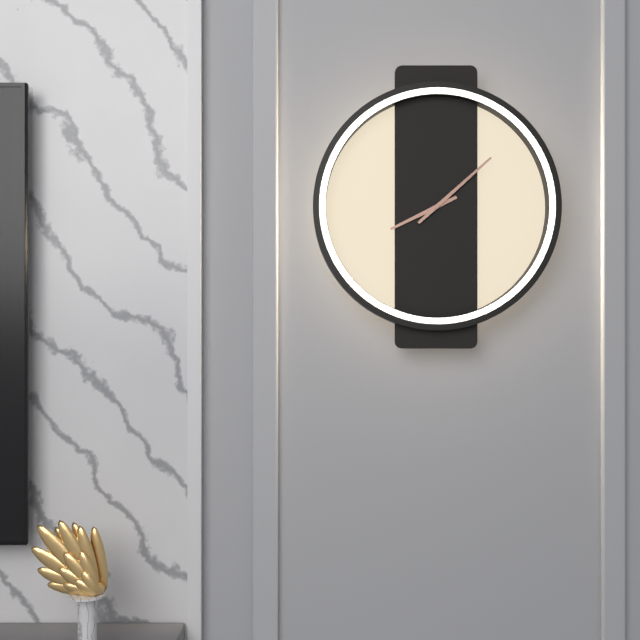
8:08
